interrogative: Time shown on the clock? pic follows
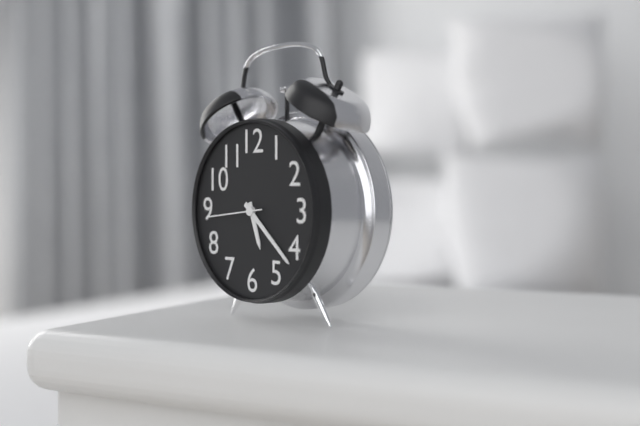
5:22:44
